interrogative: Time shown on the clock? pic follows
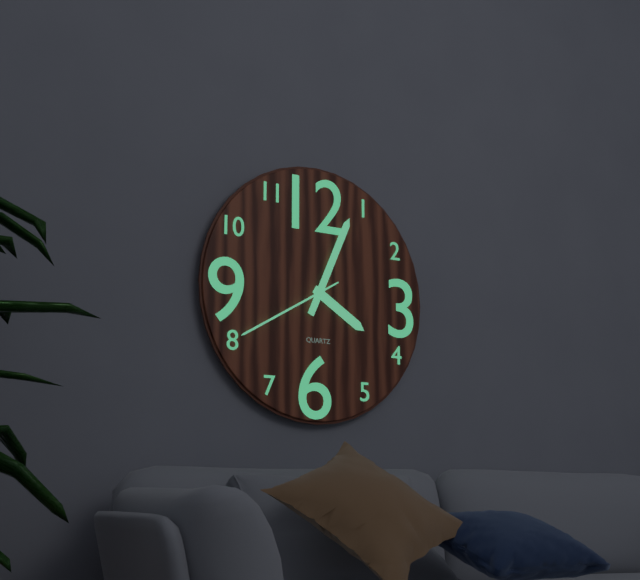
4:04:40
